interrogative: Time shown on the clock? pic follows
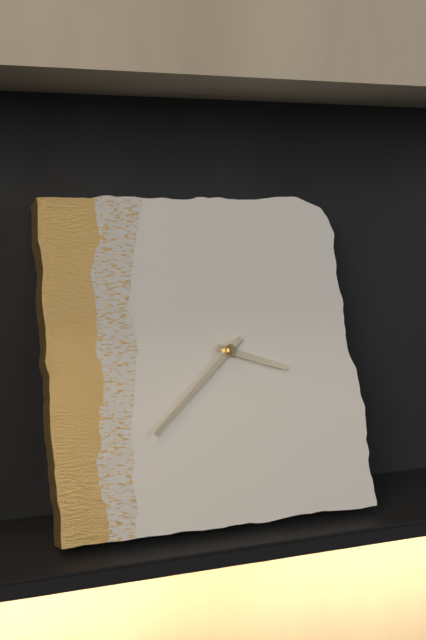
3:38
